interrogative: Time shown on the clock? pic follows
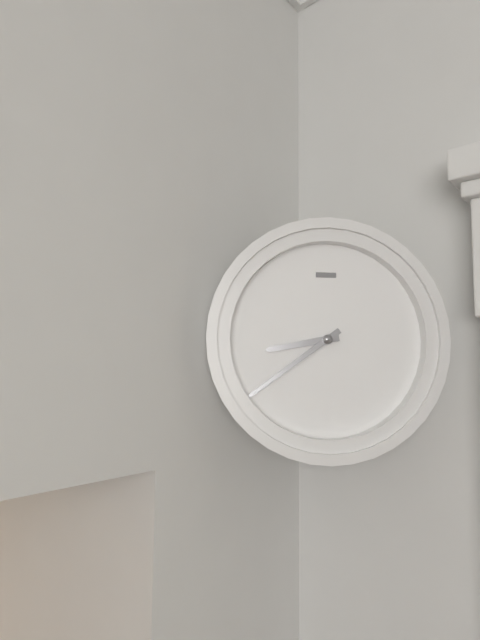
8:39
